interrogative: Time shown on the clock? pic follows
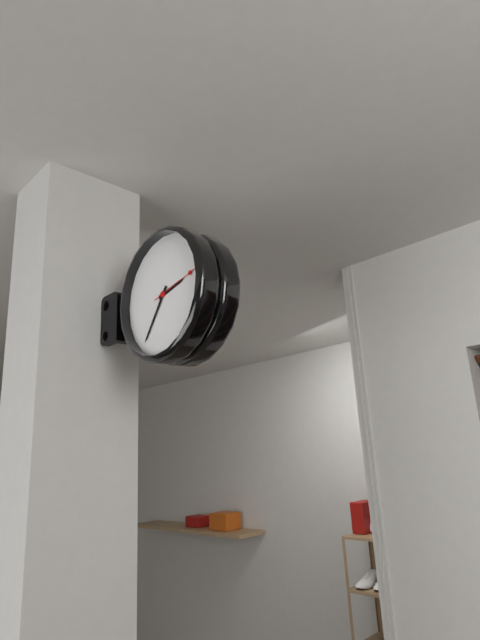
2:36:13
